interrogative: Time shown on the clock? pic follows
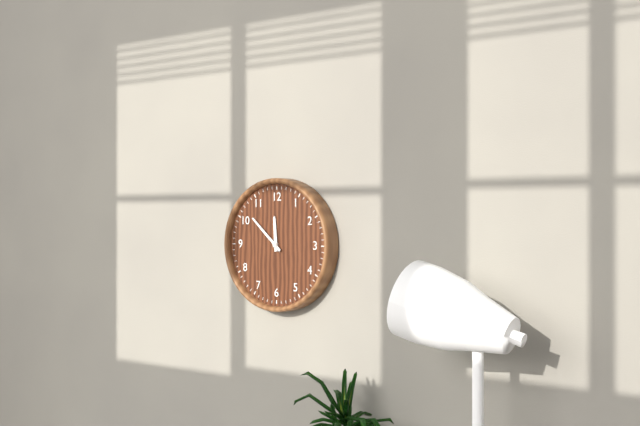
11:52
